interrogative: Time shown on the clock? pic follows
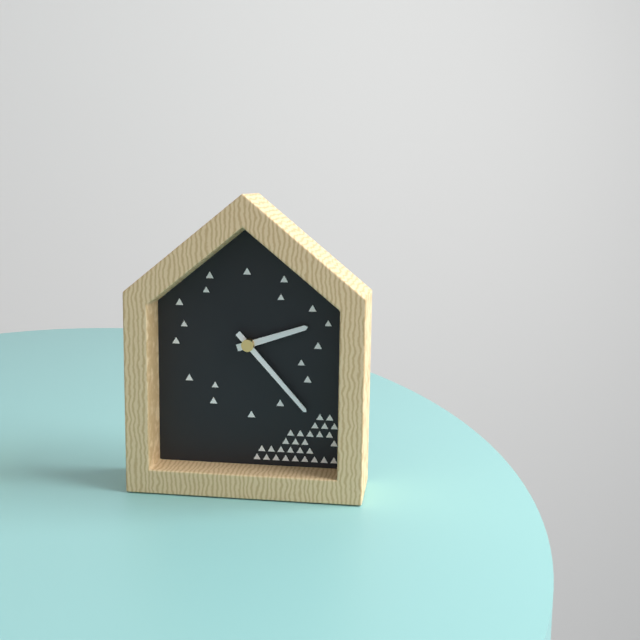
2:23
